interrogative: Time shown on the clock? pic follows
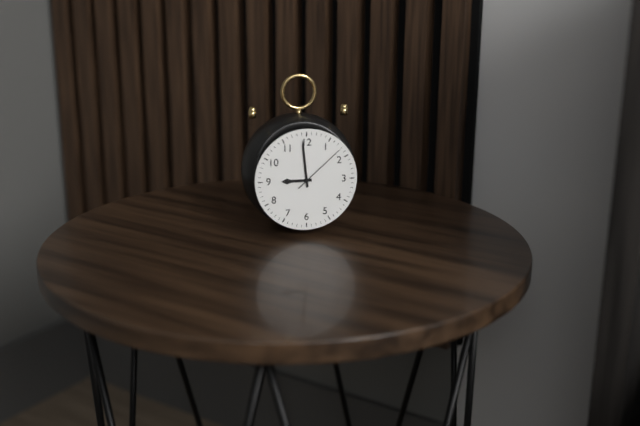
8:59:08
